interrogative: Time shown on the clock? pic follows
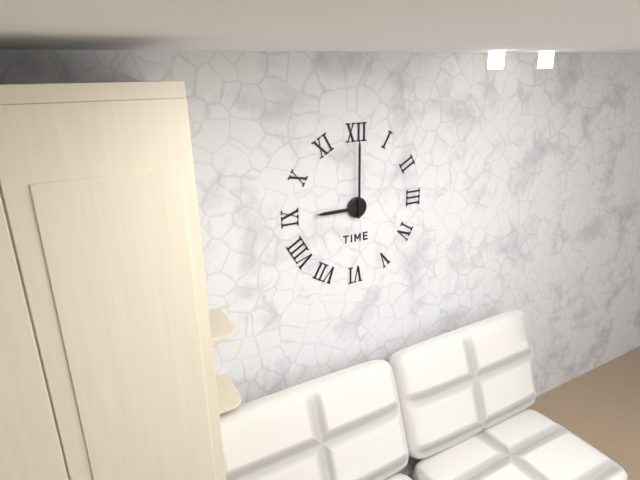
9:00
